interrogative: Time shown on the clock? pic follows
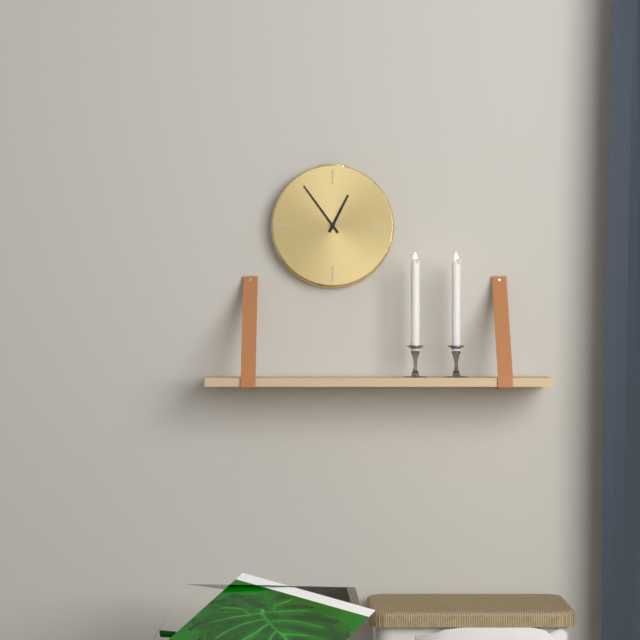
12:54
